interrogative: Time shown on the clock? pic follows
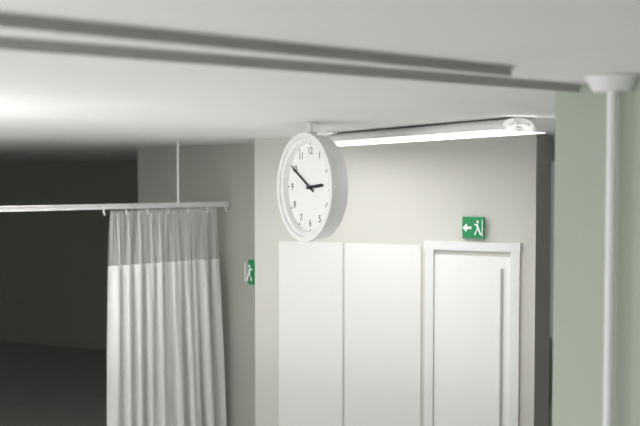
2:50
